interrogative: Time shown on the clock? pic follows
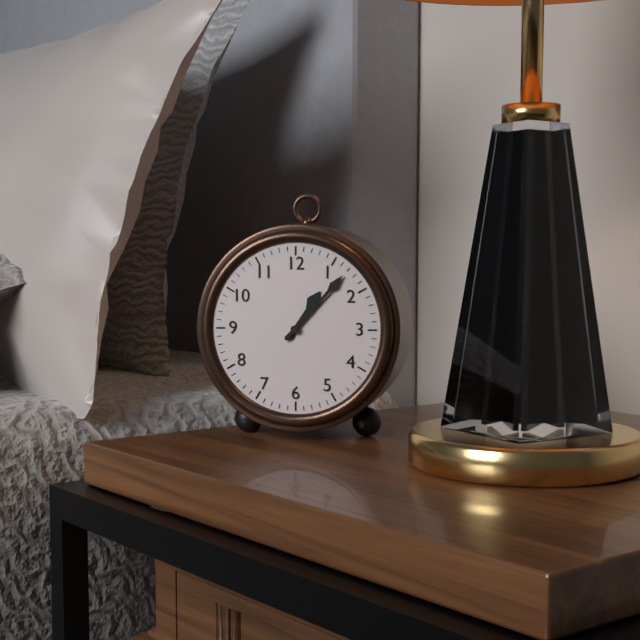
1:07
